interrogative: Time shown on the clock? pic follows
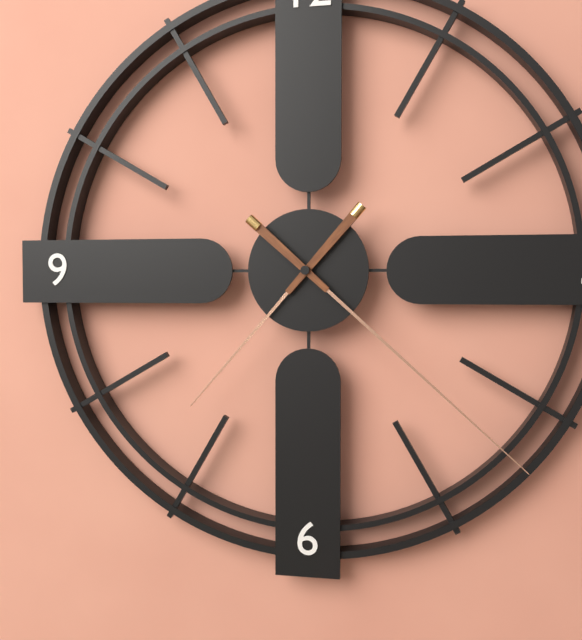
7:22
